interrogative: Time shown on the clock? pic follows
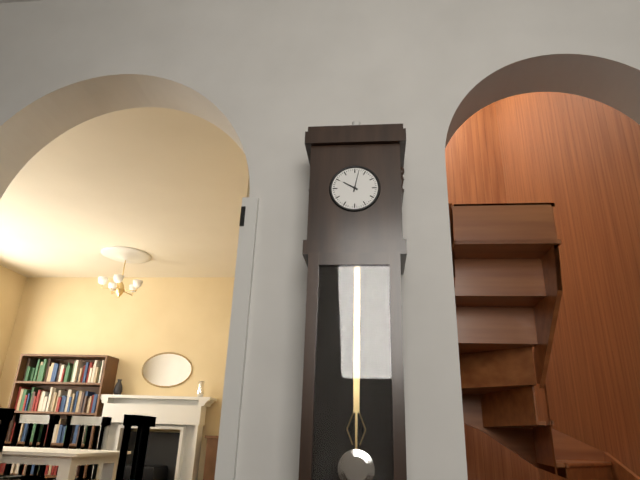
10:02
